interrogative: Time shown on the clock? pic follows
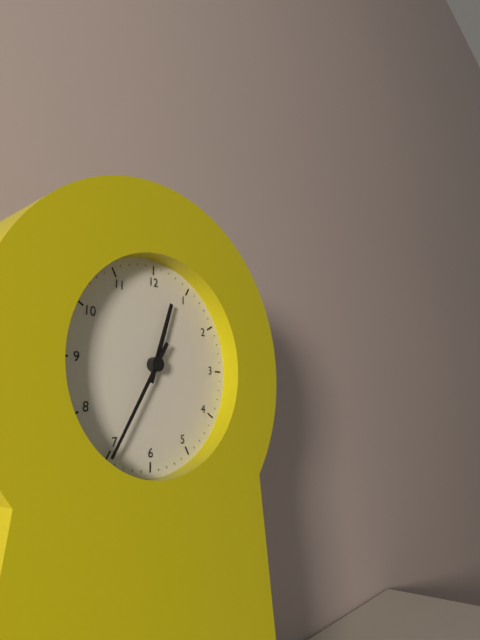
12:35
